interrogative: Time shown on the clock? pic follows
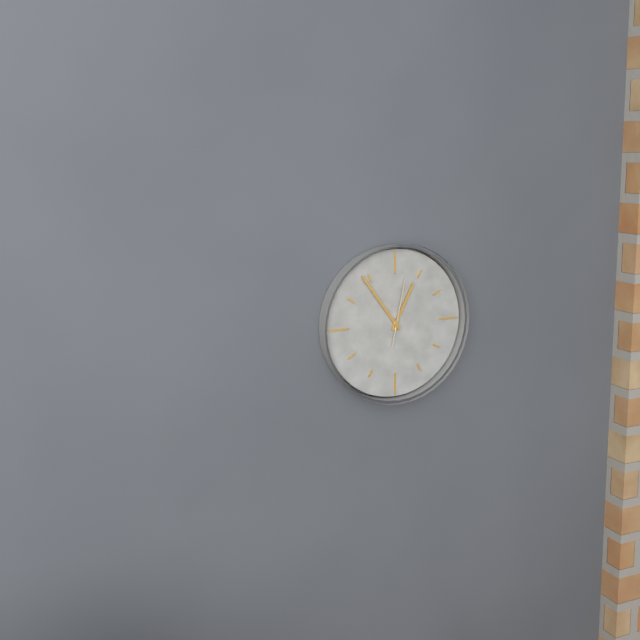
12:54:02
